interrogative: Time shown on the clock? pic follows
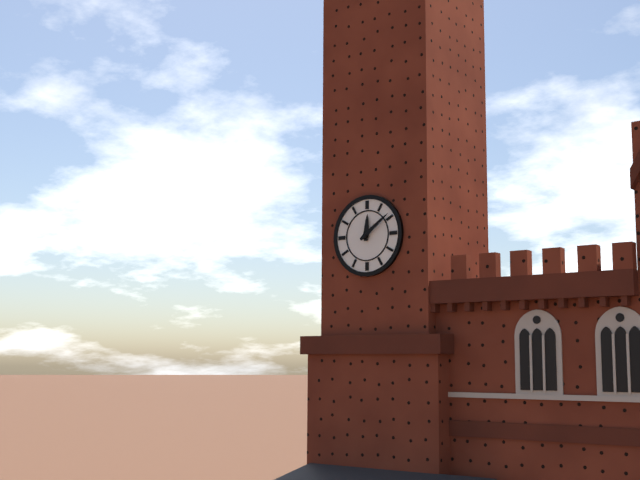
12:09
